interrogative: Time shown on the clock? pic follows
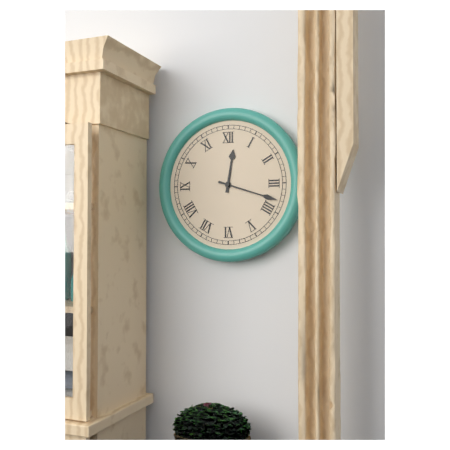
12:18
